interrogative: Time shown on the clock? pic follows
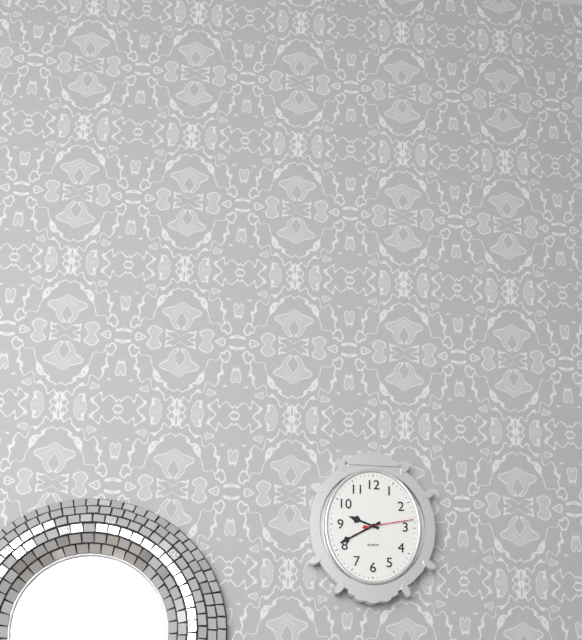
9:40:13
